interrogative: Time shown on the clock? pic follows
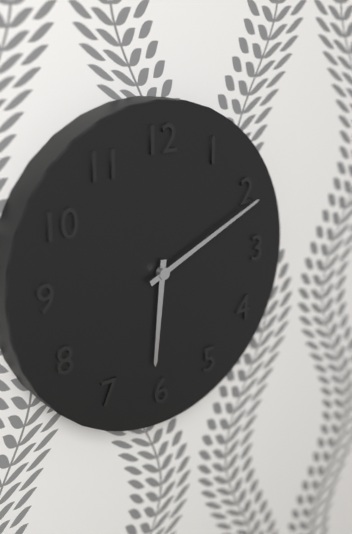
6:11
